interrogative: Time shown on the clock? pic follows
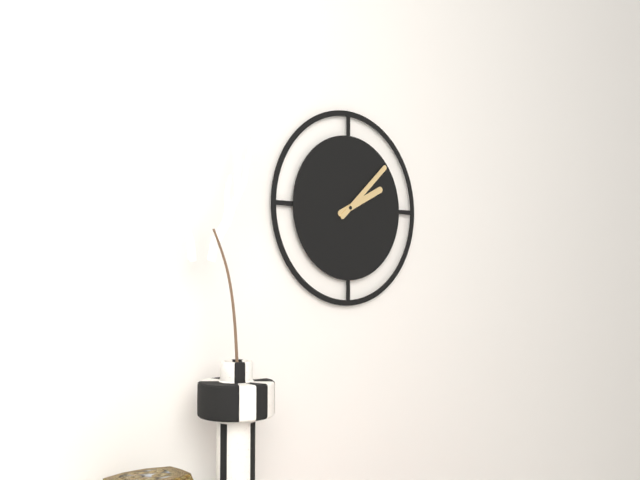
2:08
